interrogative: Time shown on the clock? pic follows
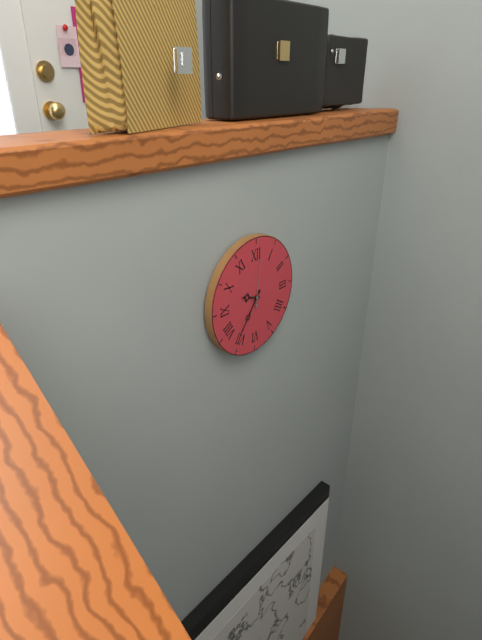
9:36
